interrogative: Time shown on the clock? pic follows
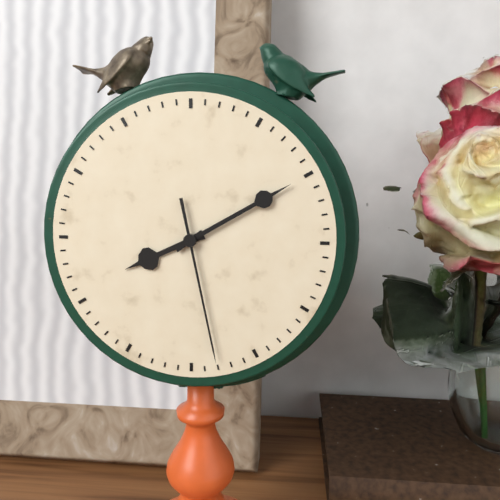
8:10:28
